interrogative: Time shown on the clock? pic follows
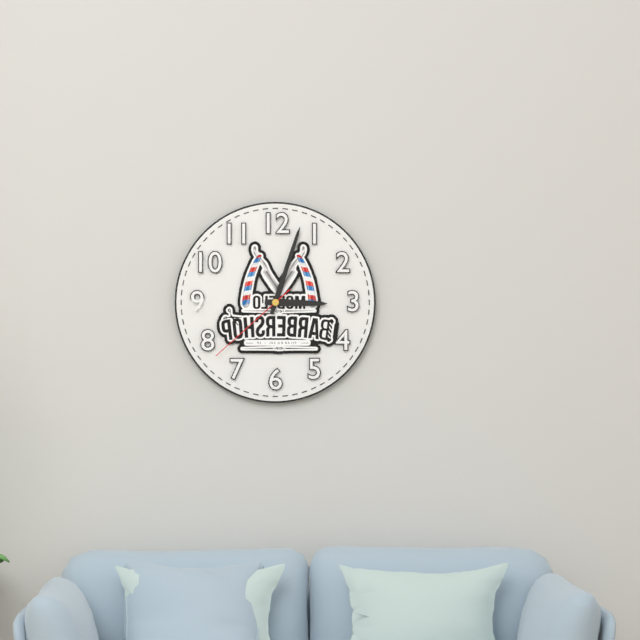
3:03:38
